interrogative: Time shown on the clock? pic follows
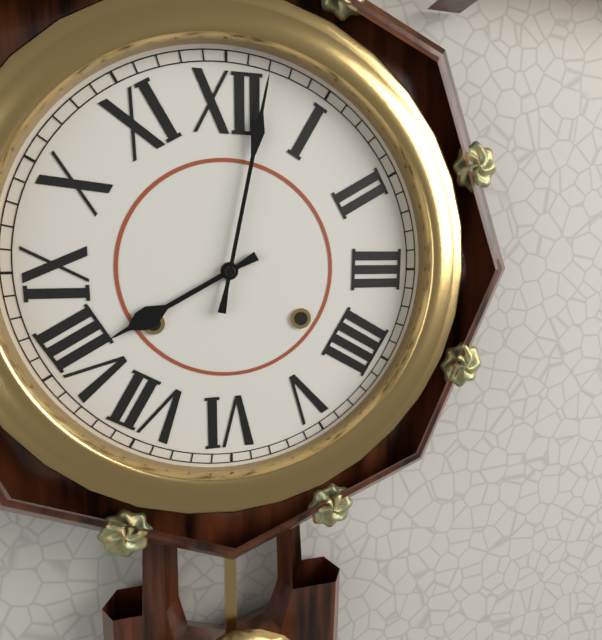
8:02
